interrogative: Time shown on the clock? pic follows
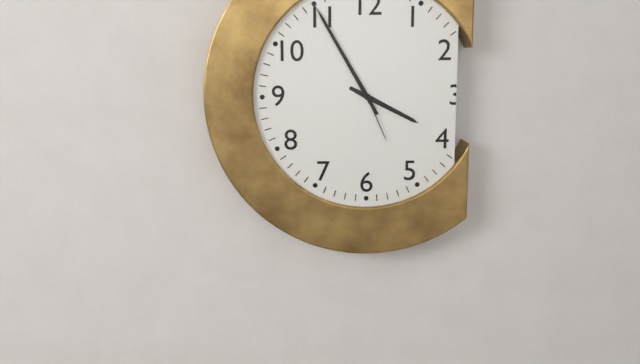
3:55:26
